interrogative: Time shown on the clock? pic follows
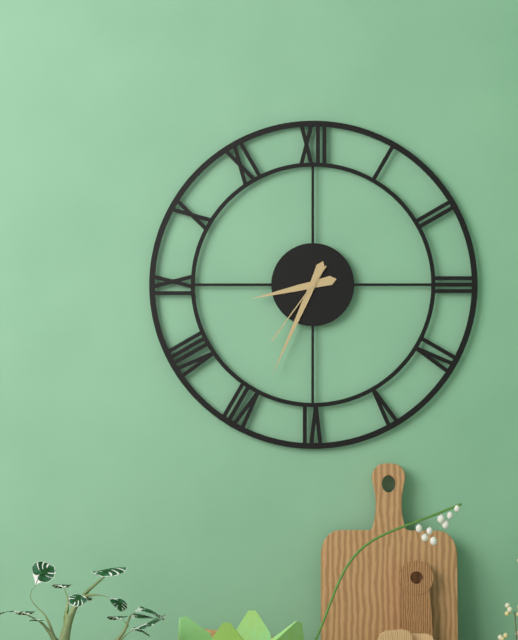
8:34:36
